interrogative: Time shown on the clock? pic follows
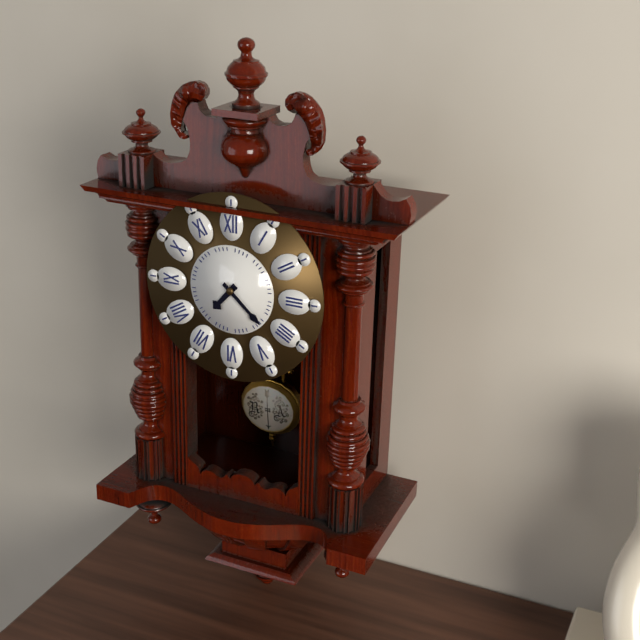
7:22
